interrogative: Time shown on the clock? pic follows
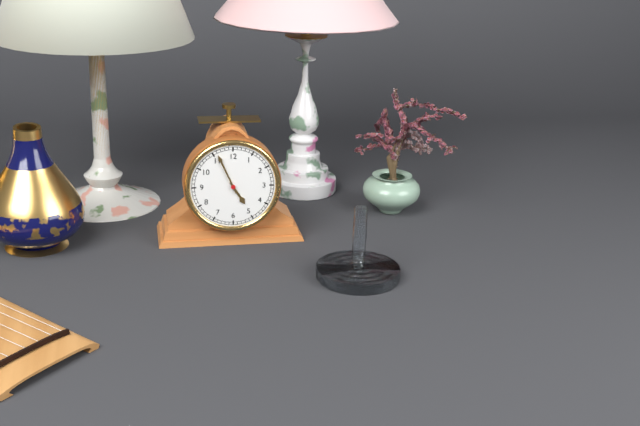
4:56
